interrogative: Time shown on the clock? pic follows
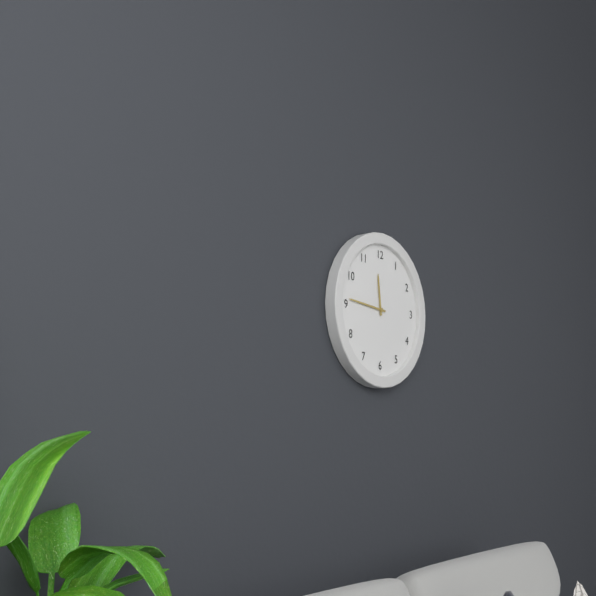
11:46
